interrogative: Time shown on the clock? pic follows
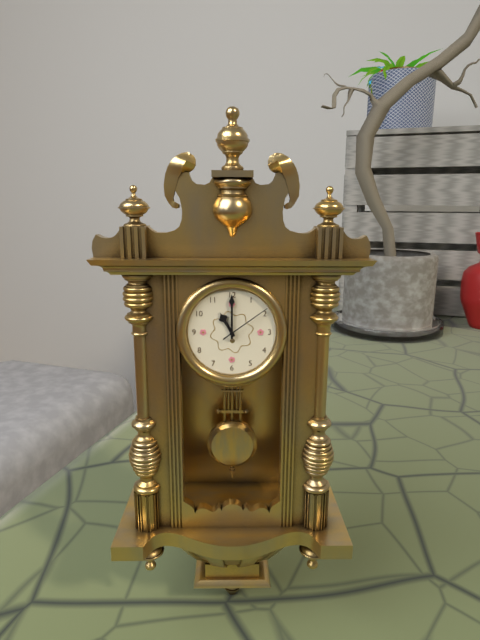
11:00:09
